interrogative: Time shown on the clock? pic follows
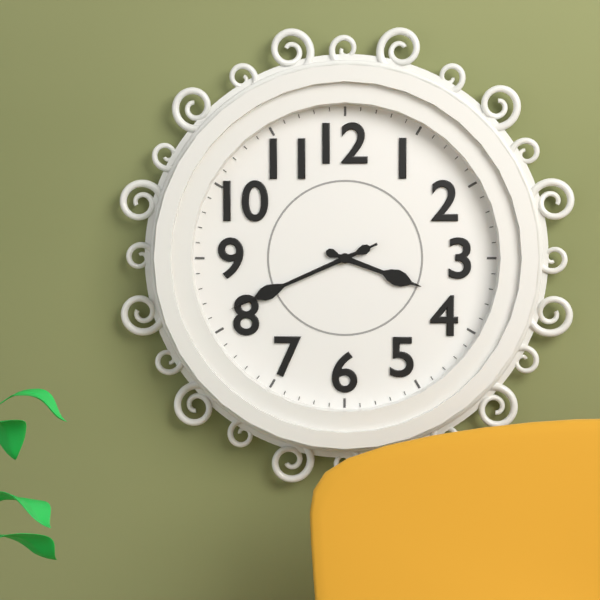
3:41:41
